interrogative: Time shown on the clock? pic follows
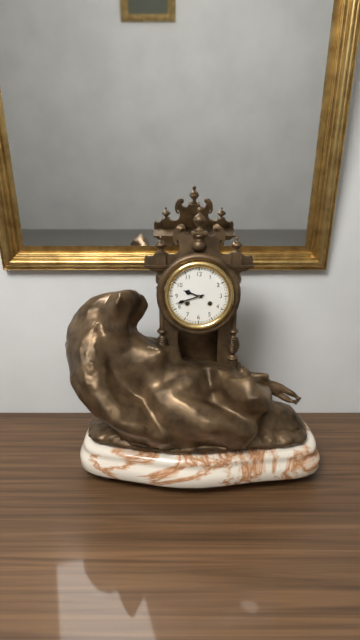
9:42
